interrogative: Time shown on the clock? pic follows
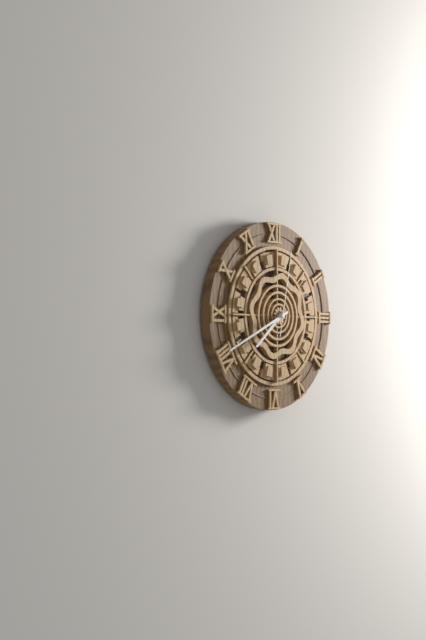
7:41:02
